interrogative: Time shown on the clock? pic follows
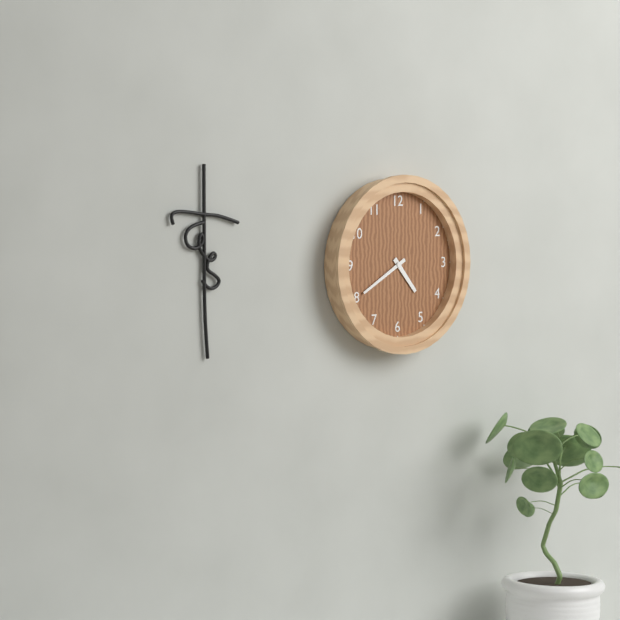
4:40
